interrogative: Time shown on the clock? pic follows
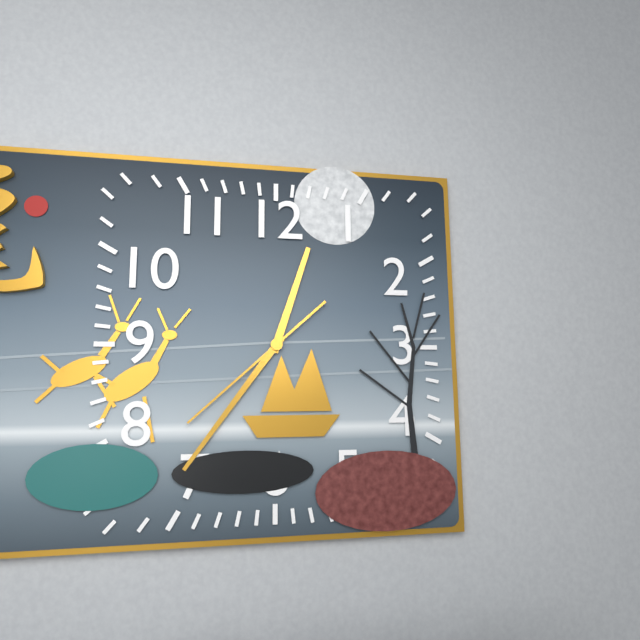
12:36:38
